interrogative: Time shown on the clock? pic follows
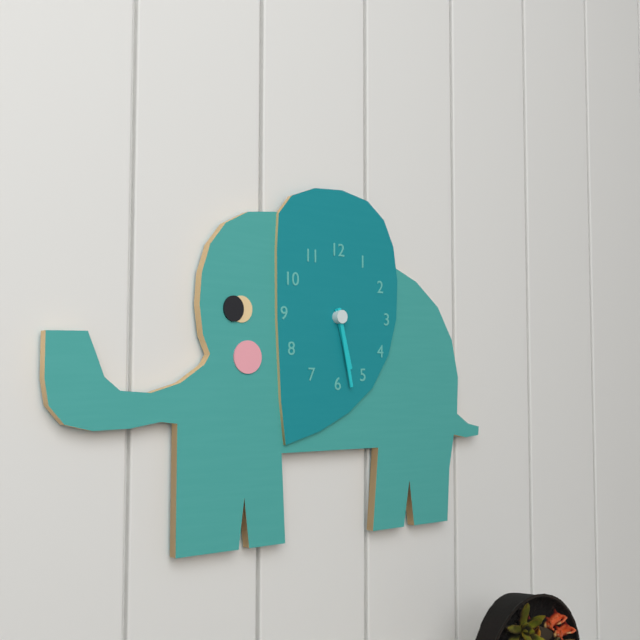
5:28
